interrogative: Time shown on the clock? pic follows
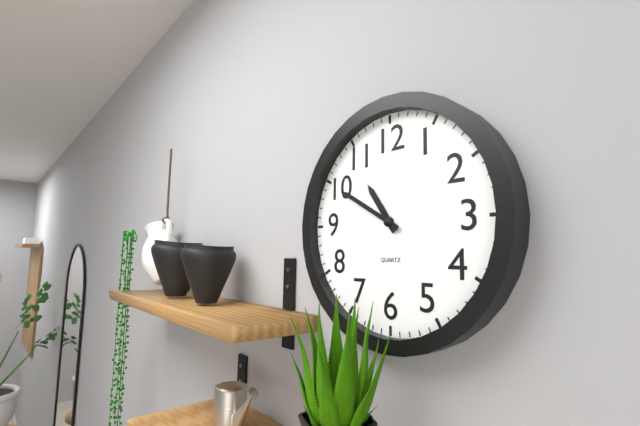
10:50
